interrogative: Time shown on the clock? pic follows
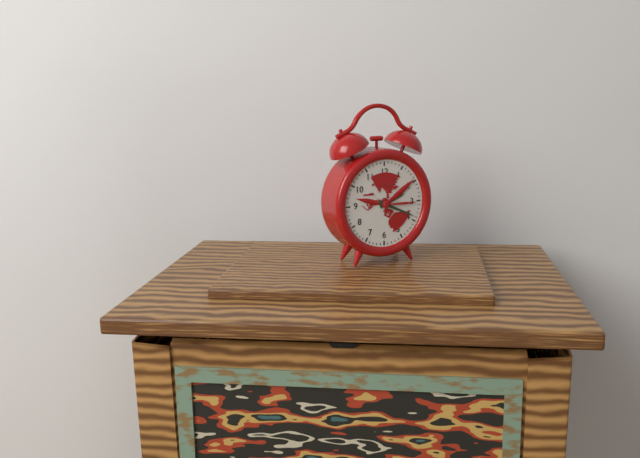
2:19
